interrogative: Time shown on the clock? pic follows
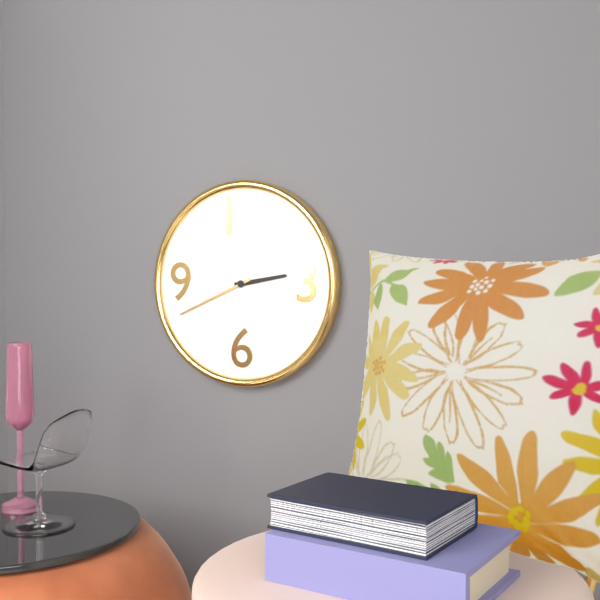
2:41
